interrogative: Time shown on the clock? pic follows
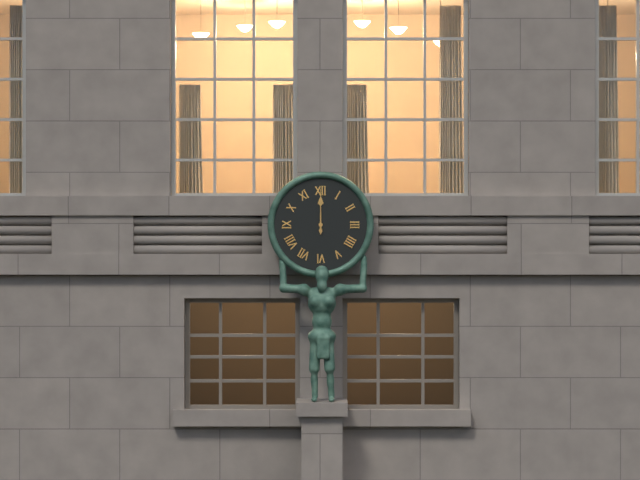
12:00
